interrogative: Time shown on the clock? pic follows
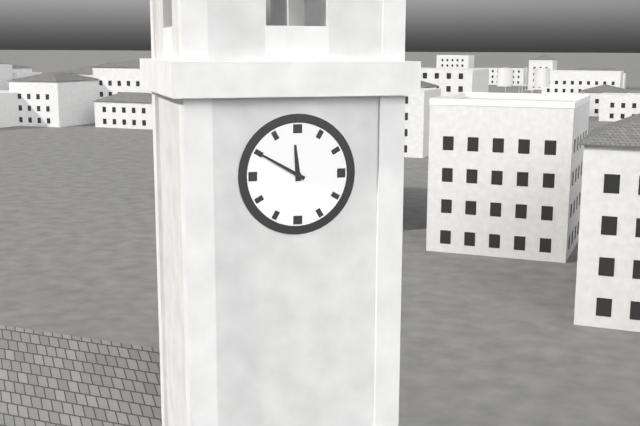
11:50
